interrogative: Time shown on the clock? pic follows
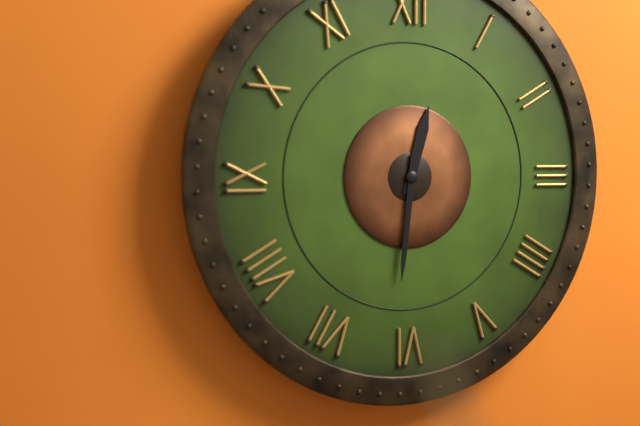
12:31
